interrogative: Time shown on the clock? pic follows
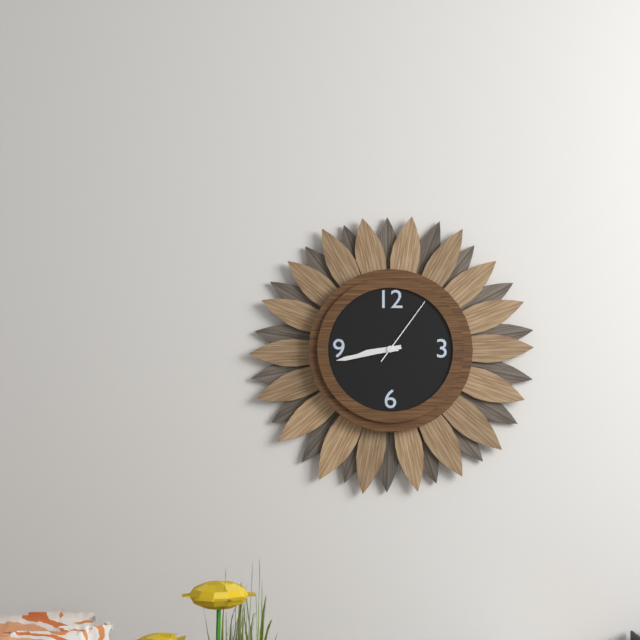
8:43:06
